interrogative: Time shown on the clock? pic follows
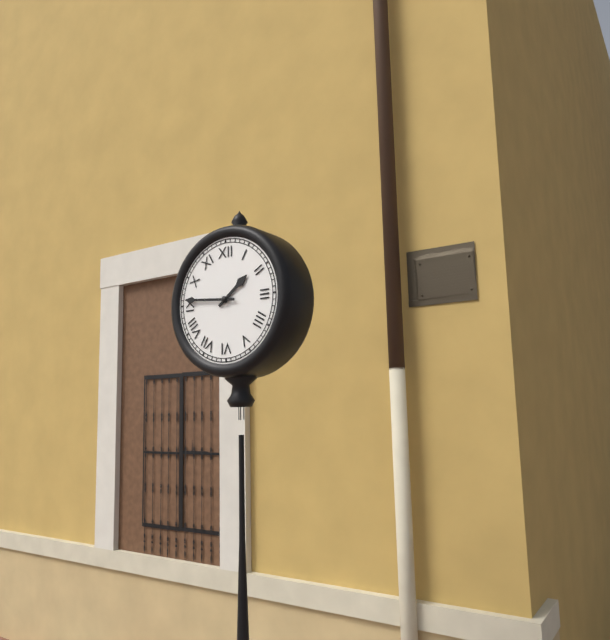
1:46
